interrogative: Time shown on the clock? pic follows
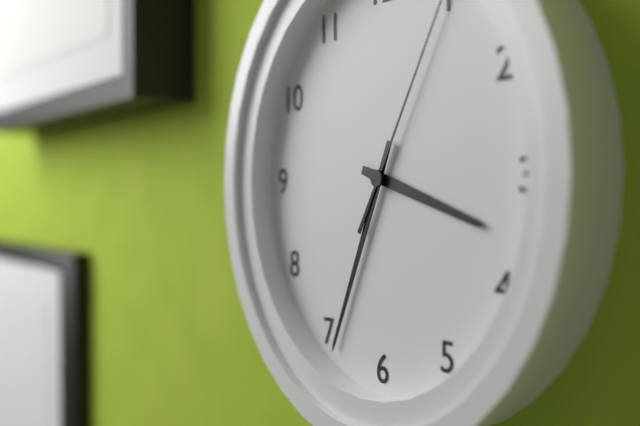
3:34
